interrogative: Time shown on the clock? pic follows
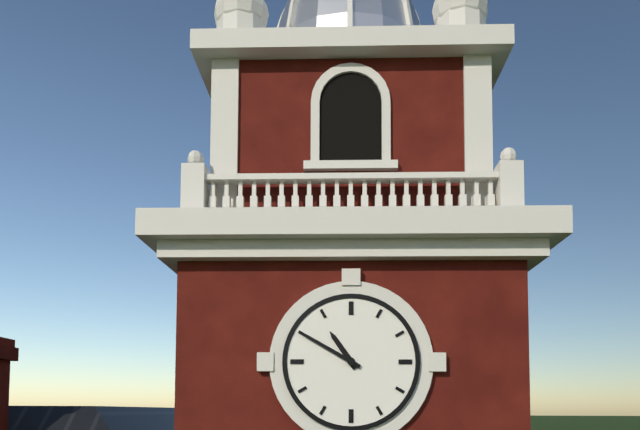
10:50
